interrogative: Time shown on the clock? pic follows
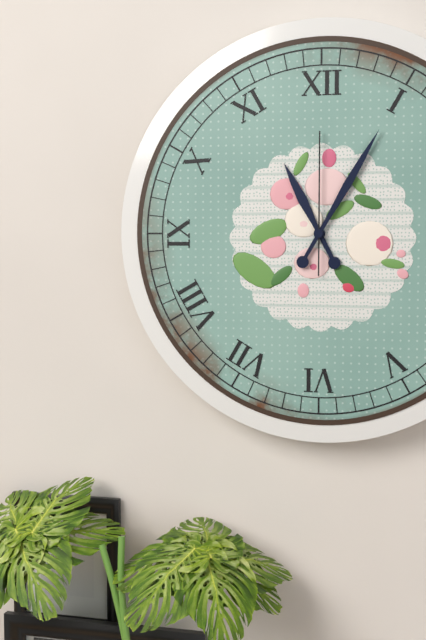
11:05:00
